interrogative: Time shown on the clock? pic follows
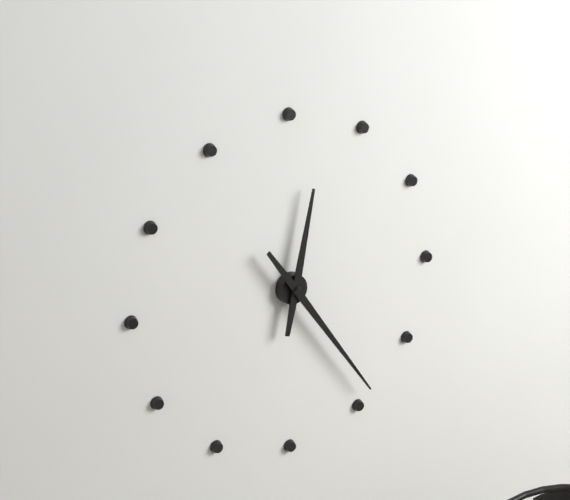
12:24
